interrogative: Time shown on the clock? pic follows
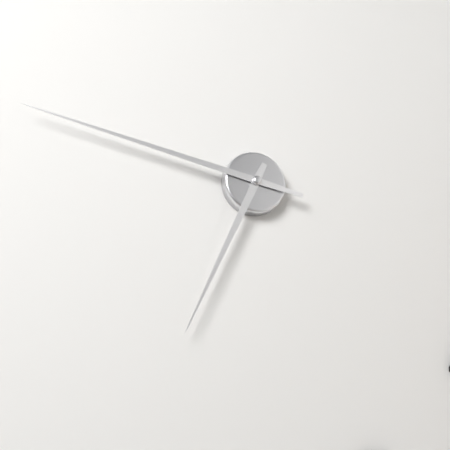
6:47
